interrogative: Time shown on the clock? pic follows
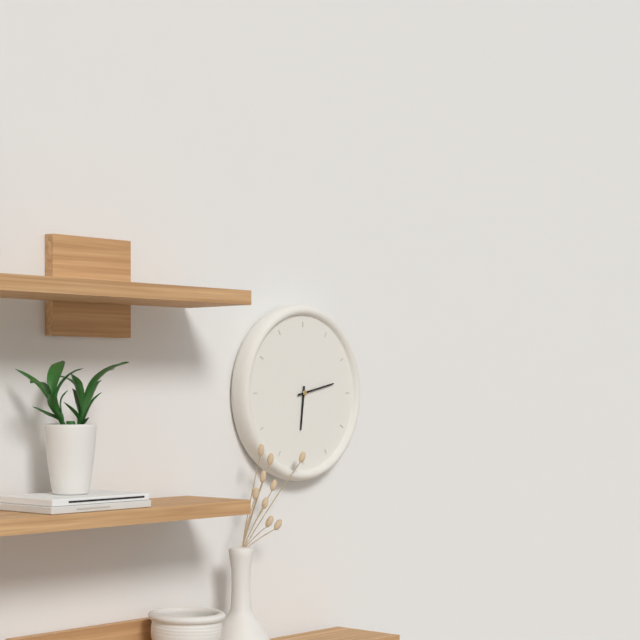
6:13
